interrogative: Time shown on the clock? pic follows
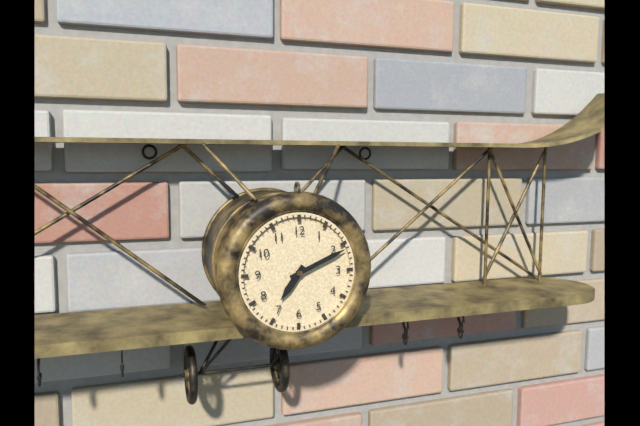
7:11
